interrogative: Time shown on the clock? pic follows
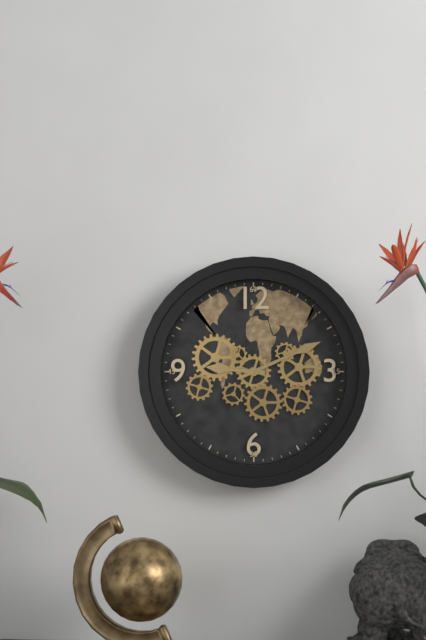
9:11
